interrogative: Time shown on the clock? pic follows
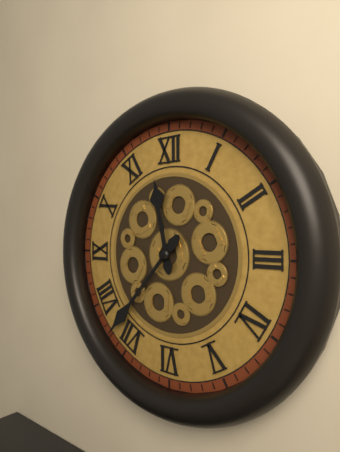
11:37
